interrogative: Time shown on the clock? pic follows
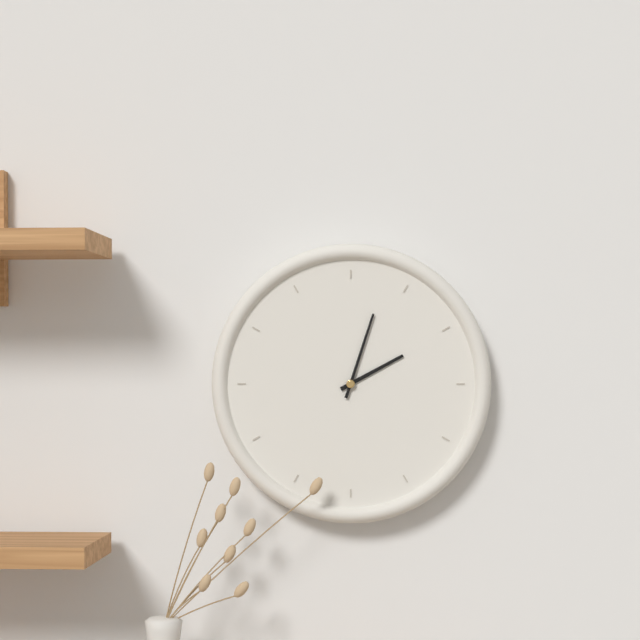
2:03
